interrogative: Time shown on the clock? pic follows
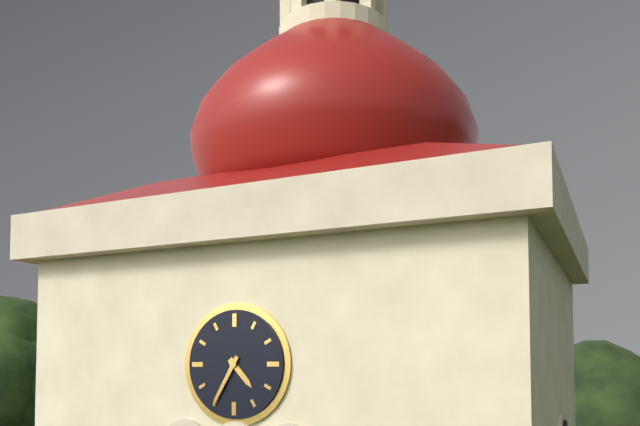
4:35
